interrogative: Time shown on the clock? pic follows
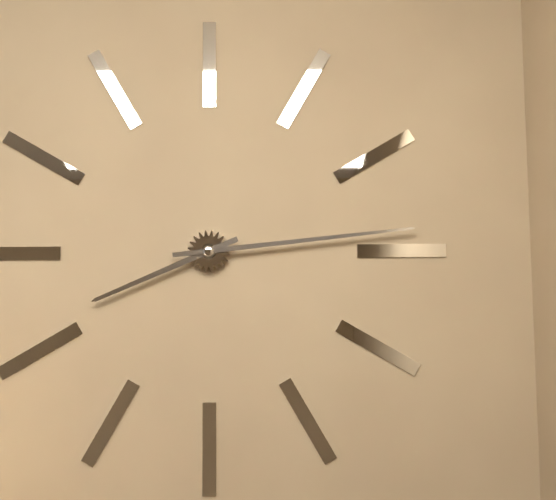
8:14
